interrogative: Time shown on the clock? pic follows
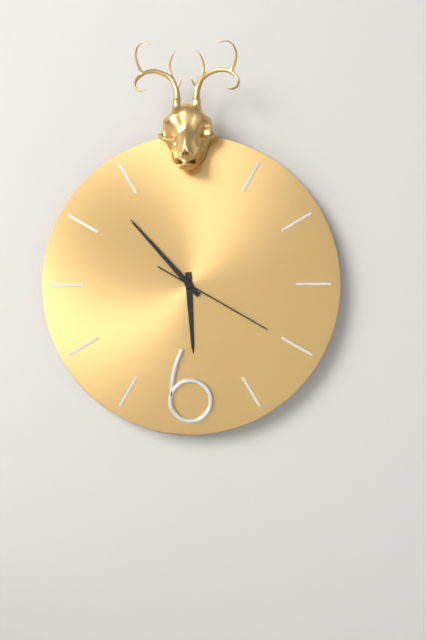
5:53:20
